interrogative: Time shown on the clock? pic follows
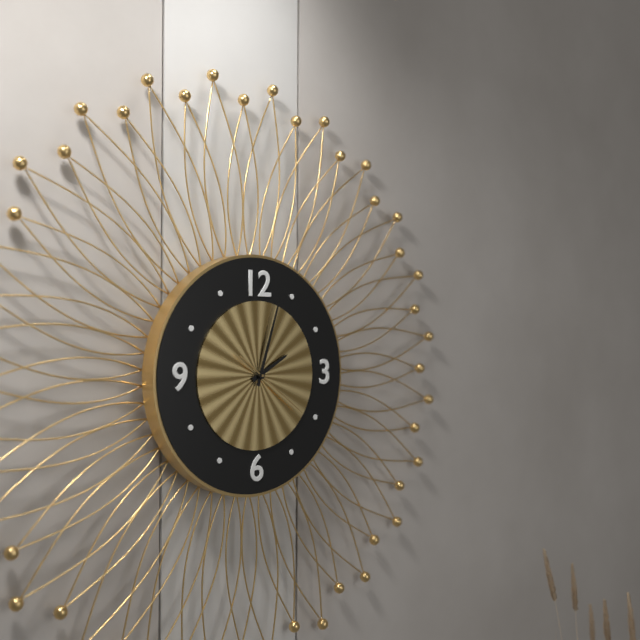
2:03:21
